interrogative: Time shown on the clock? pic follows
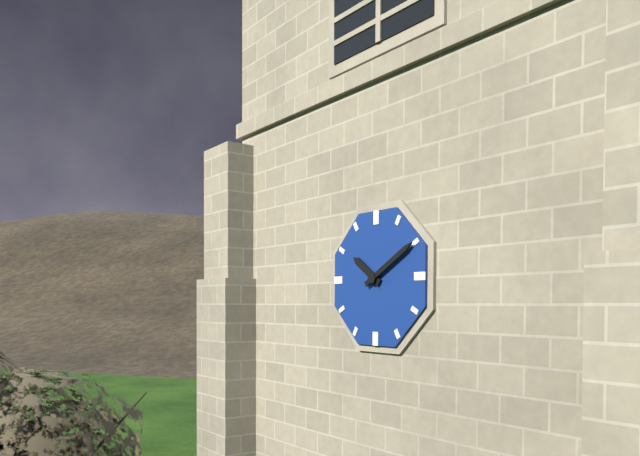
10:10
